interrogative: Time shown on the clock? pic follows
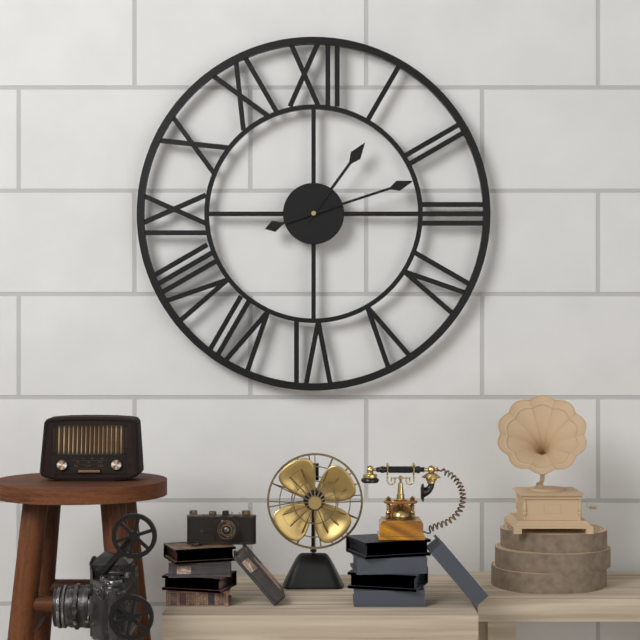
1:12
